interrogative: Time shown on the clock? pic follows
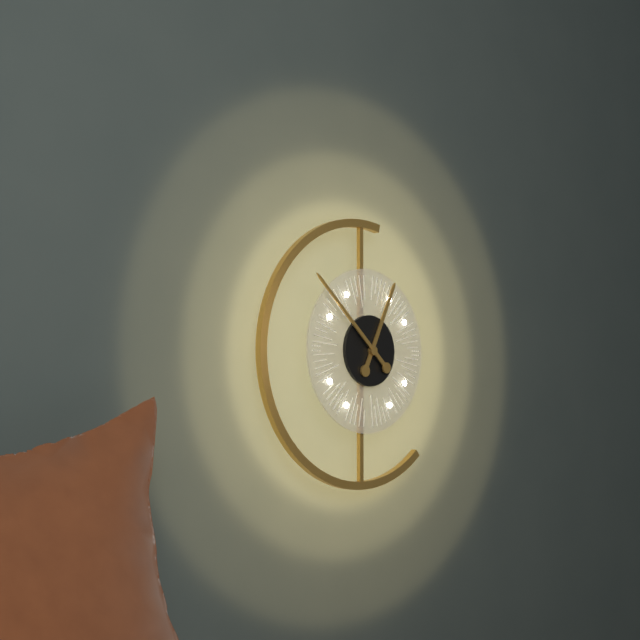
12:52
